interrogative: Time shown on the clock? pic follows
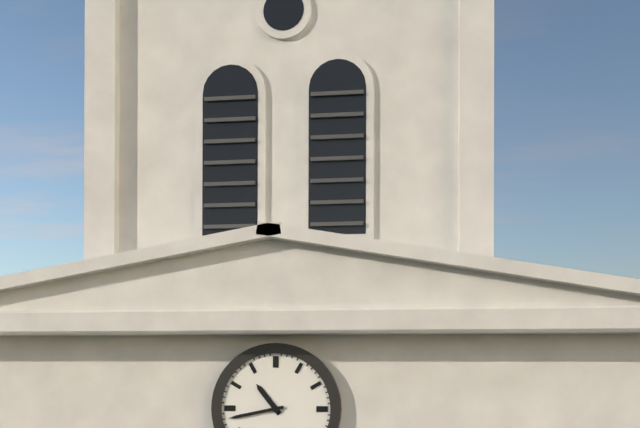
10:43
